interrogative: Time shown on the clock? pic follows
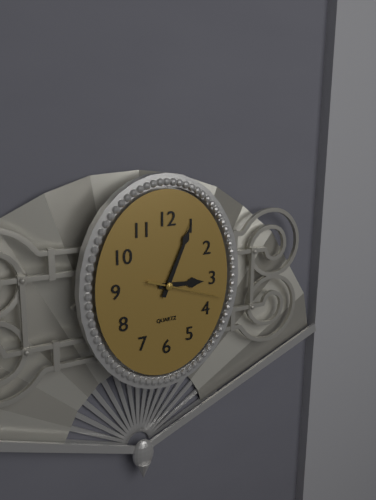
3:04:18
